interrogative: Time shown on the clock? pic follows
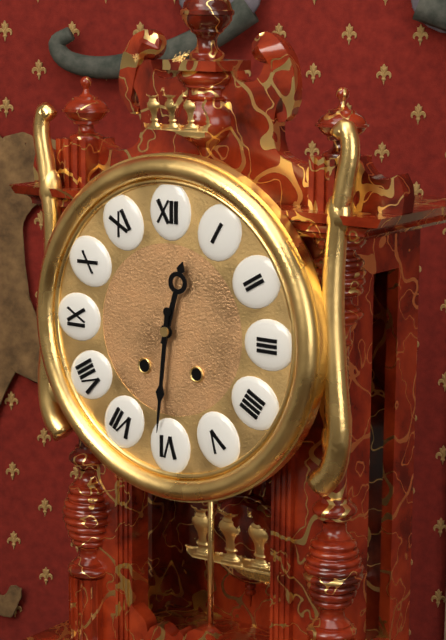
12:31
